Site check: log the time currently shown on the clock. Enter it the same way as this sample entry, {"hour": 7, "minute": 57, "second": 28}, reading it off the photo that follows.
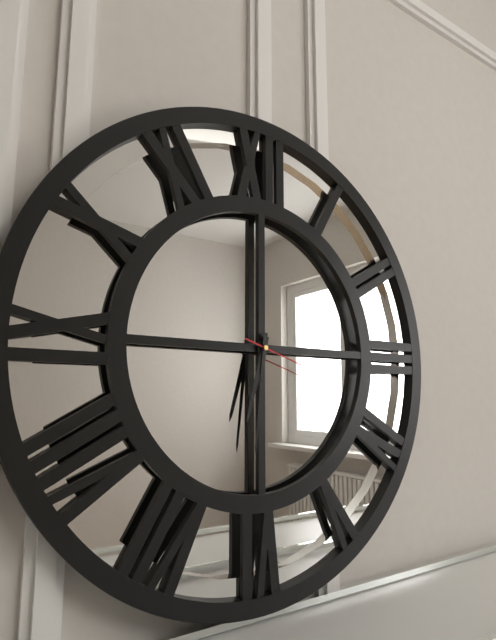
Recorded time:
{"hour": 6, "minute": 31, "second": 18}
